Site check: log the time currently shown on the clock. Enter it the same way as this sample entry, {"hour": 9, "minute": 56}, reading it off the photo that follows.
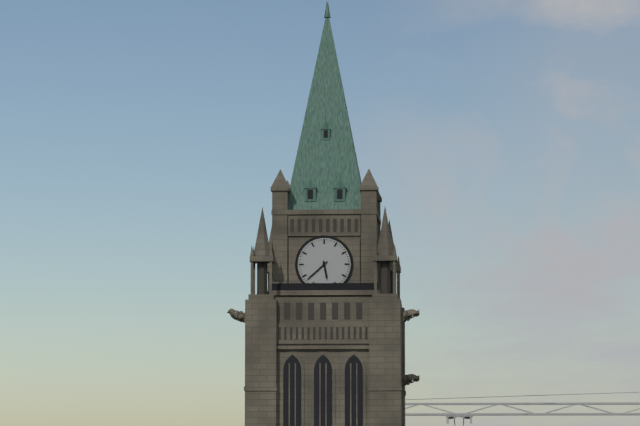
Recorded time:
{"hour": 5, "minute": 38}
